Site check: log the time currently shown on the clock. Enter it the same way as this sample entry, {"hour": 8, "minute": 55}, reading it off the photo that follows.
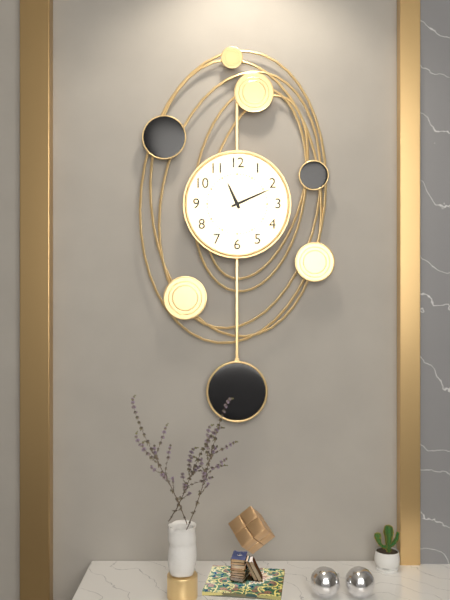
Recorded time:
{"hour": 11, "minute": 11}
